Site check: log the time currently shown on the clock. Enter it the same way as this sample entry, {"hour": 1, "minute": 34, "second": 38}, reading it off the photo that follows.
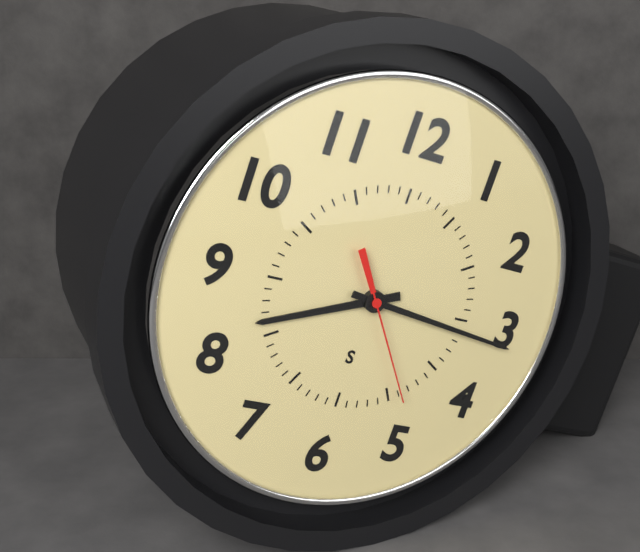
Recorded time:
{"hour": 8, "minute": 16, "second": 24}
